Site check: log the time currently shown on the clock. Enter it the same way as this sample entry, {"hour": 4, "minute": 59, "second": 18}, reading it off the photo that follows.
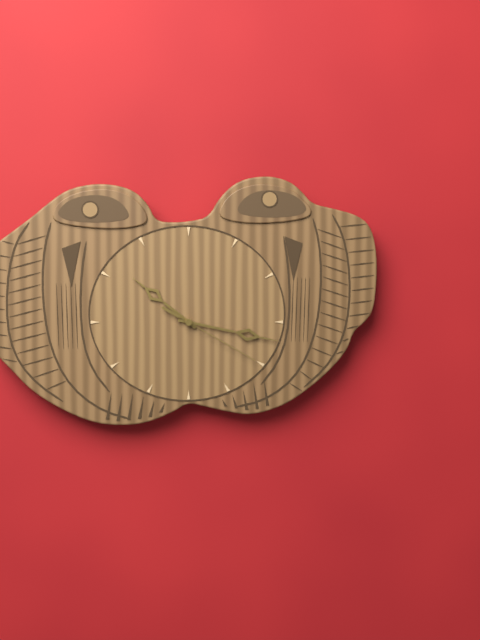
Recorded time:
{"hour": 10, "minute": 17, "second": 20}
